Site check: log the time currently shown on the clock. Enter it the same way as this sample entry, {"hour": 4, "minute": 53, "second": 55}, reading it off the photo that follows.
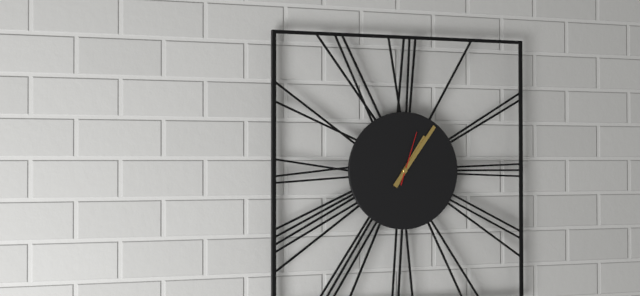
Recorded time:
{"hour": 1, "minute": 6, "second": 3}
